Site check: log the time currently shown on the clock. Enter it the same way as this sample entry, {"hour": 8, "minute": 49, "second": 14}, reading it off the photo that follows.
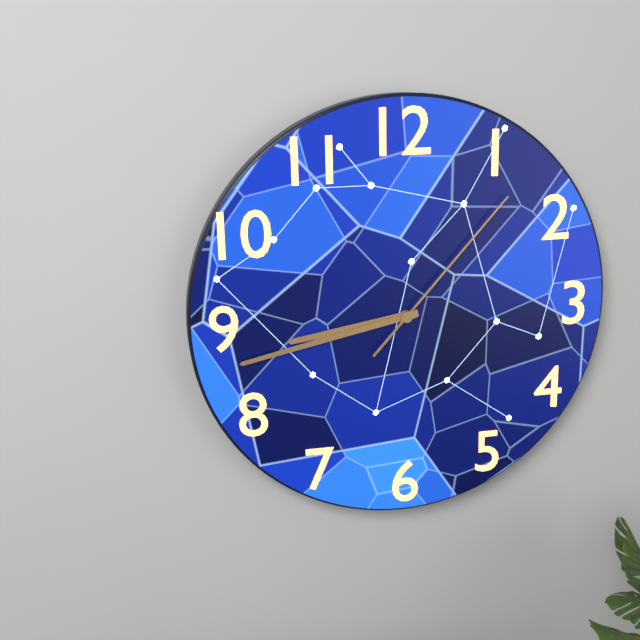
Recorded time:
{"hour": 8, "minute": 43, "second": 7}
